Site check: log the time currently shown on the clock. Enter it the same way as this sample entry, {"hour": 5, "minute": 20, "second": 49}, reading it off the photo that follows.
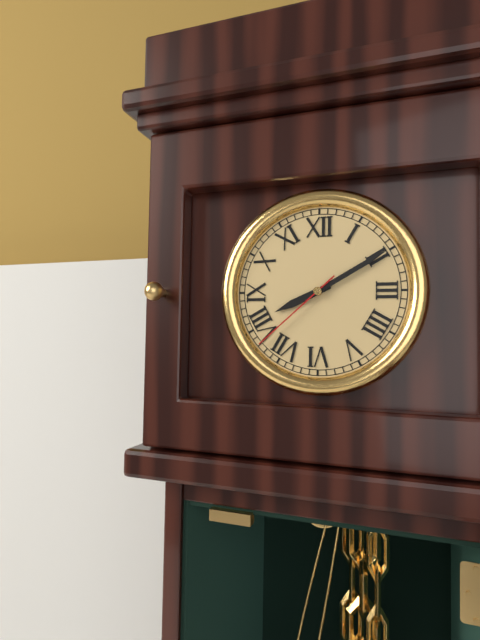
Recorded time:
{"hour": 8, "minute": 10, "second": 38}
